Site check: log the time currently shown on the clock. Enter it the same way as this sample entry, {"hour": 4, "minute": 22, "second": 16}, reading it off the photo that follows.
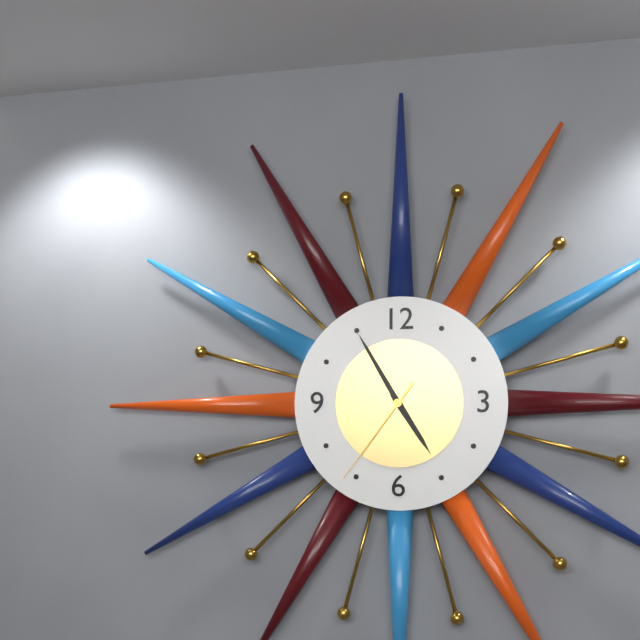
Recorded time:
{"hour": 4, "minute": 55, "second": 36}
